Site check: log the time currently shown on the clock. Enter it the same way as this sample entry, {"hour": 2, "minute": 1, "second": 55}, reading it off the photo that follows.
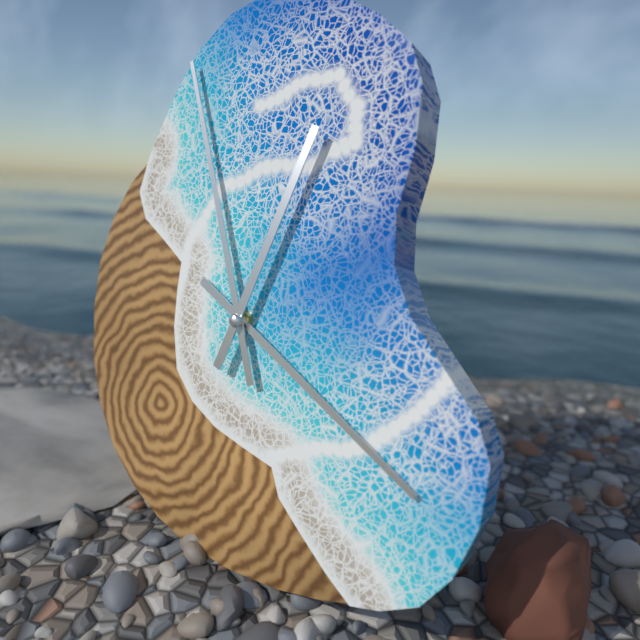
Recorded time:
{"hour": 3, "minute": 56, "second": 3}
